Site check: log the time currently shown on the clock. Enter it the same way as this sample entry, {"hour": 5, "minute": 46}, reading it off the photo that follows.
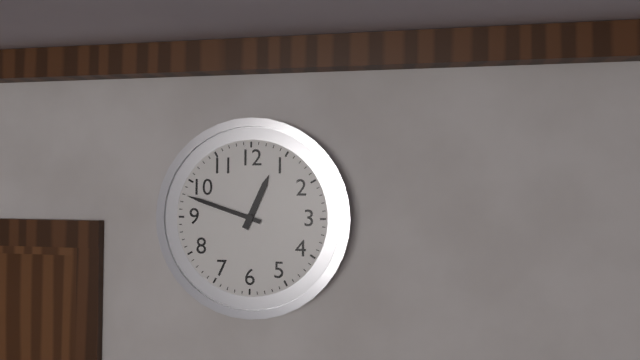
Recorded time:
{"hour": 12, "minute": 48}
